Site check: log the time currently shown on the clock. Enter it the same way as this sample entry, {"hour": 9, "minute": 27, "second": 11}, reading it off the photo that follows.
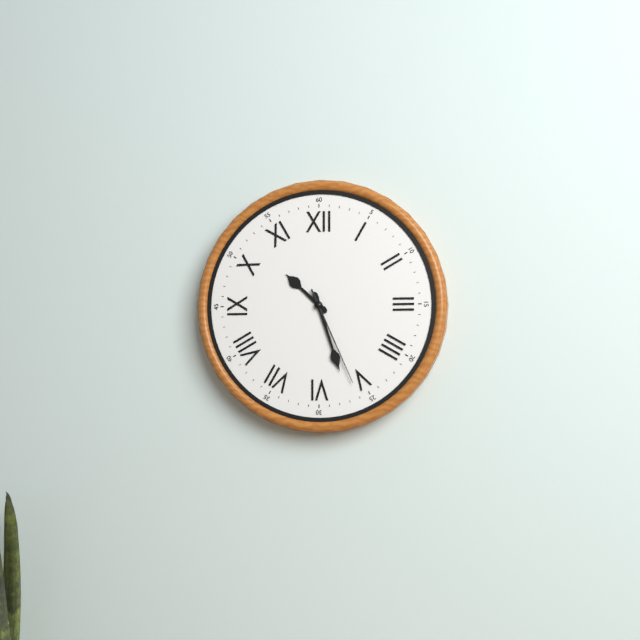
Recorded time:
{"hour": 10, "minute": 27, "second": 26}
